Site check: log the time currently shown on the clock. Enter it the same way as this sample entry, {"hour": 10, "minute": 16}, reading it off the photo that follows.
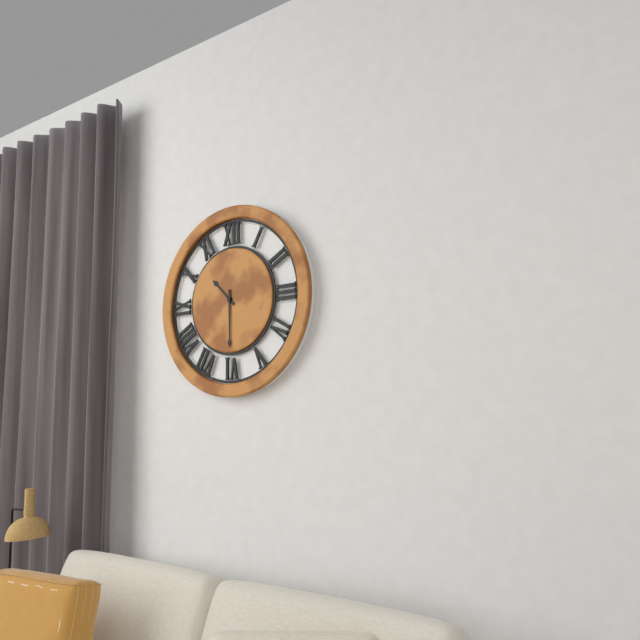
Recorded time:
{"hour": 10, "minute": 30}
